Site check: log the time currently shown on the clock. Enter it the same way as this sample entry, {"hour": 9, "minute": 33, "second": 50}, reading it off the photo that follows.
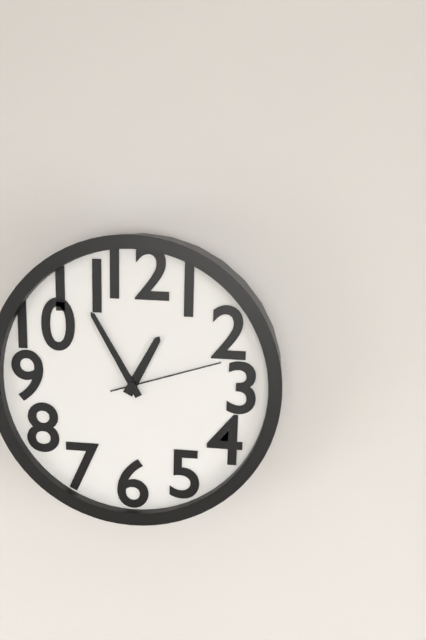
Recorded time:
{"hour": 12, "minute": 55, "second": 12}
